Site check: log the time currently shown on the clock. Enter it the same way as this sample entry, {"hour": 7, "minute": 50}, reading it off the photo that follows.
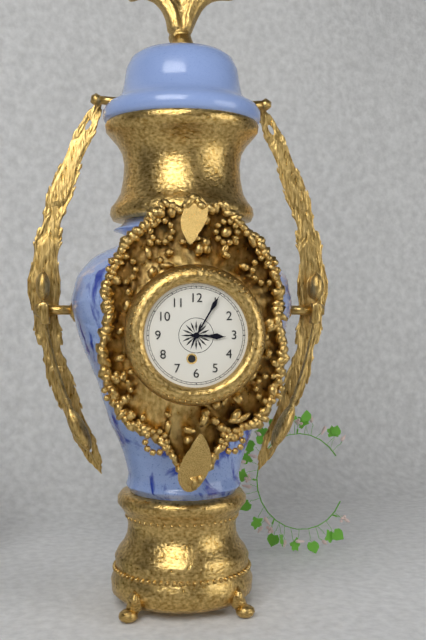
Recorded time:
{"hour": 3, "minute": 5}
